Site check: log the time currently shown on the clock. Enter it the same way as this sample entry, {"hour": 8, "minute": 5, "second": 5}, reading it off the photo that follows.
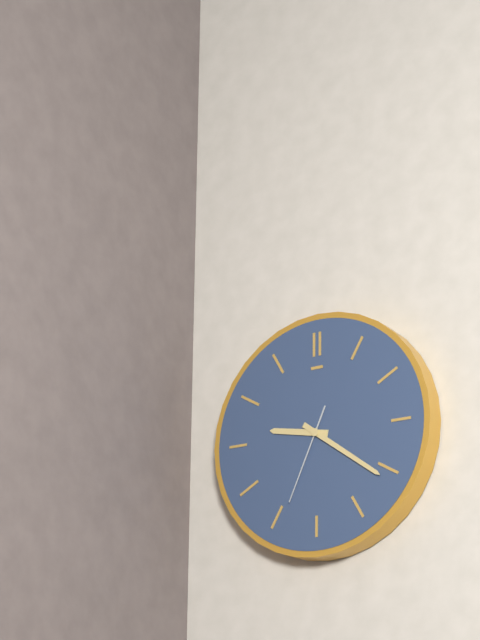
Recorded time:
{"hour": 9, "minute": 21, "second": 34}
